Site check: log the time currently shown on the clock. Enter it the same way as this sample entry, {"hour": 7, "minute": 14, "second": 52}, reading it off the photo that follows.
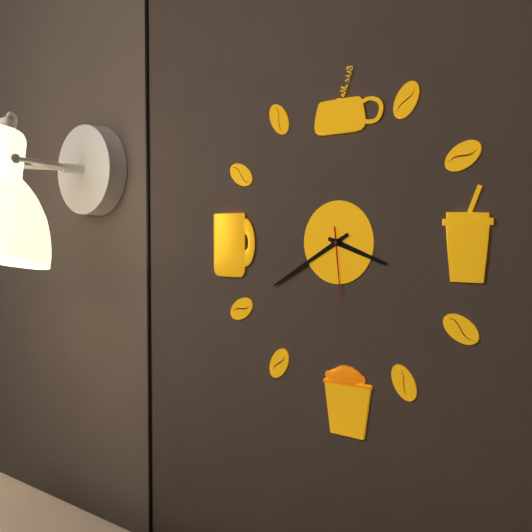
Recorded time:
{"hour": 3, "minute": 40, "second": 29}
